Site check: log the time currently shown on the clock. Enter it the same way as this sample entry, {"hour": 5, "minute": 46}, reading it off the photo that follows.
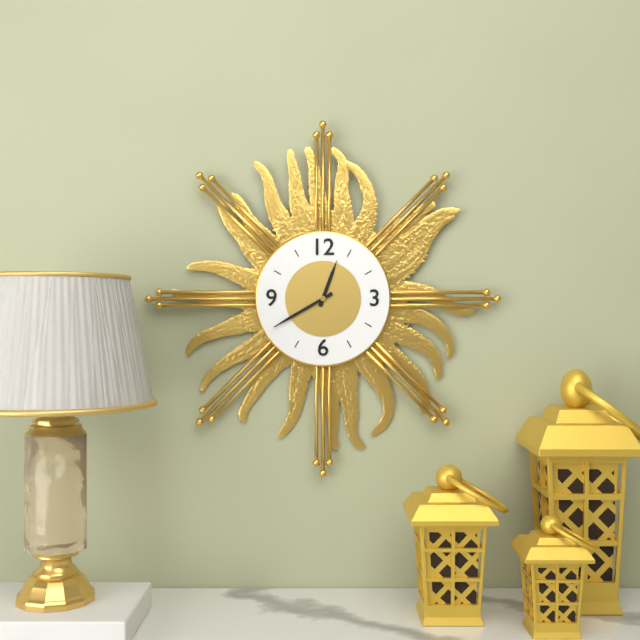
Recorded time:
{"hour": 12, "minute": 40}
